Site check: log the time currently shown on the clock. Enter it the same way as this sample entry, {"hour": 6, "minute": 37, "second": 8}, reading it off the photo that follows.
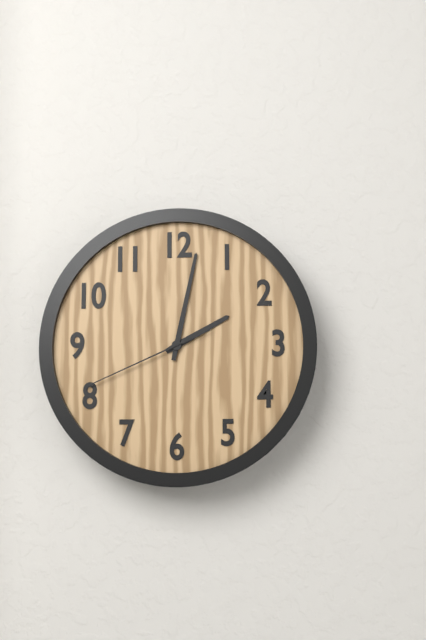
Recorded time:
{"hour": 2, "minute": 2, "second": 41}
